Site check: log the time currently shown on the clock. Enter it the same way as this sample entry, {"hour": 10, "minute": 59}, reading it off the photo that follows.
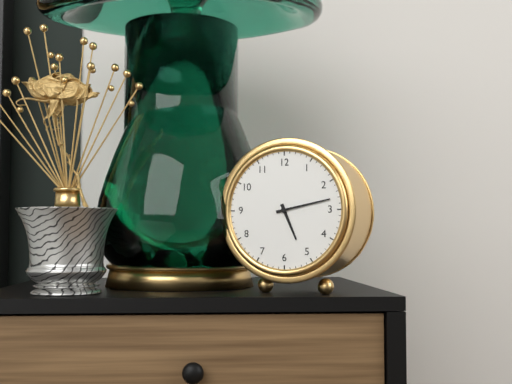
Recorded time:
{"hour": 5, "minute": 13}
